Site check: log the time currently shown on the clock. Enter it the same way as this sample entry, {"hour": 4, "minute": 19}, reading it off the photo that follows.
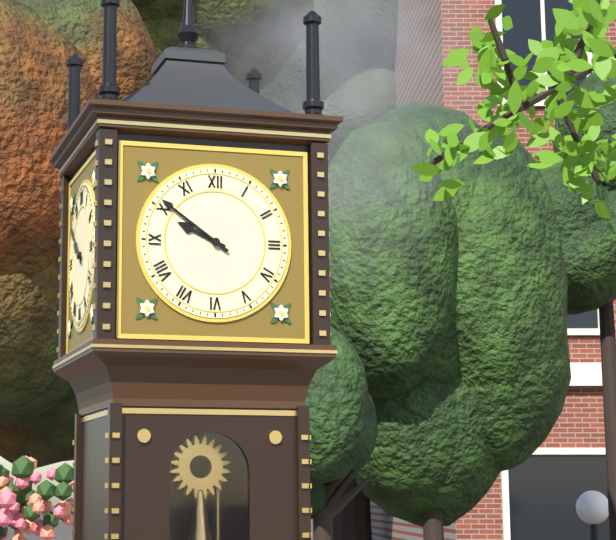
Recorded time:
{"hour": 9, "minute": 51}
